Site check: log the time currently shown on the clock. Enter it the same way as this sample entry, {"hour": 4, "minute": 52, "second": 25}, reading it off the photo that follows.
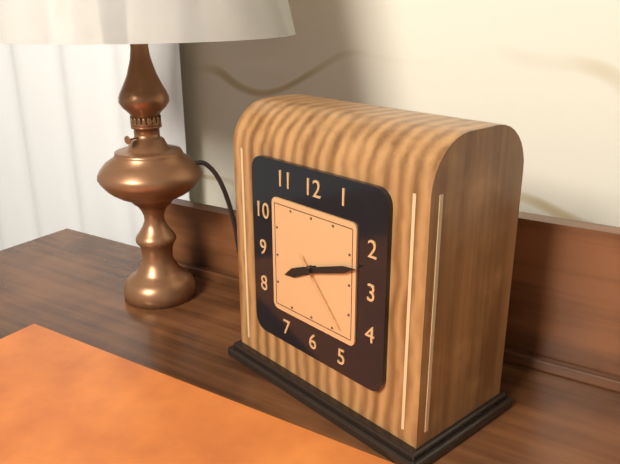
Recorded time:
{"hour": 8, "minute": 12, "second": 23}
